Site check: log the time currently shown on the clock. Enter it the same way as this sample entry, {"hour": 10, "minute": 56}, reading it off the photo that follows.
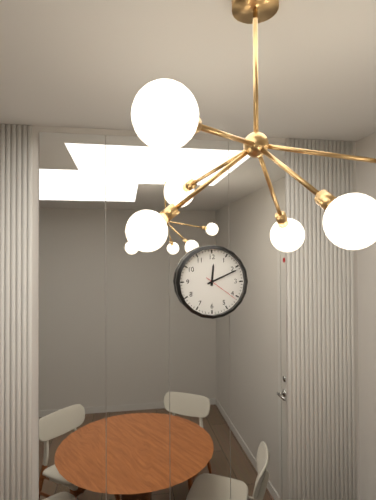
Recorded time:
{"hour": 12, "minute": 11}
